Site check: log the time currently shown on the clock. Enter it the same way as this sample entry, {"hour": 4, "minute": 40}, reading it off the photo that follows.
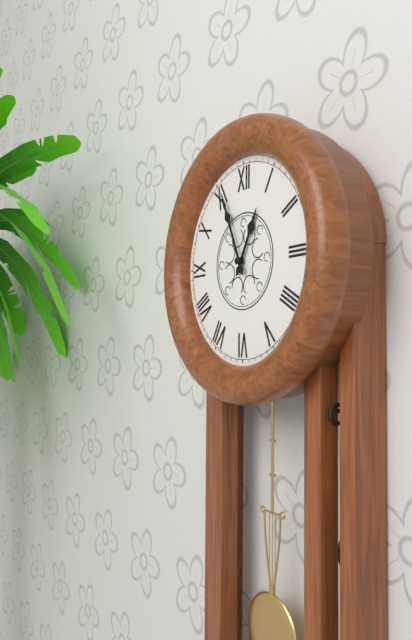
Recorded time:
{"hour": 12, "minute": 56}
